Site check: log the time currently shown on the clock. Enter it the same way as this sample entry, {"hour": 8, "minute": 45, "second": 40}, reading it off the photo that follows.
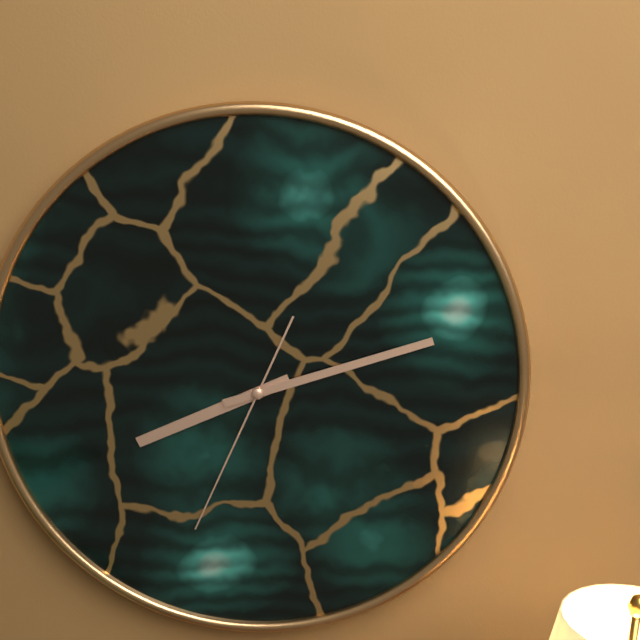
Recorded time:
{"hour": 8, "minute": 12, "second": 34}
